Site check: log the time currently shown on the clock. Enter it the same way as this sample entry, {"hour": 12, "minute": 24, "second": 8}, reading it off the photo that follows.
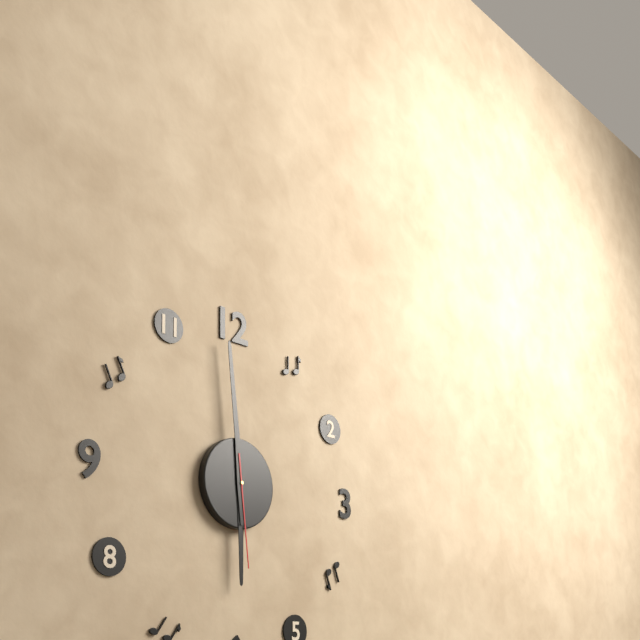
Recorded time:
{"hour": 5, "minute": 59, "second": 29}
